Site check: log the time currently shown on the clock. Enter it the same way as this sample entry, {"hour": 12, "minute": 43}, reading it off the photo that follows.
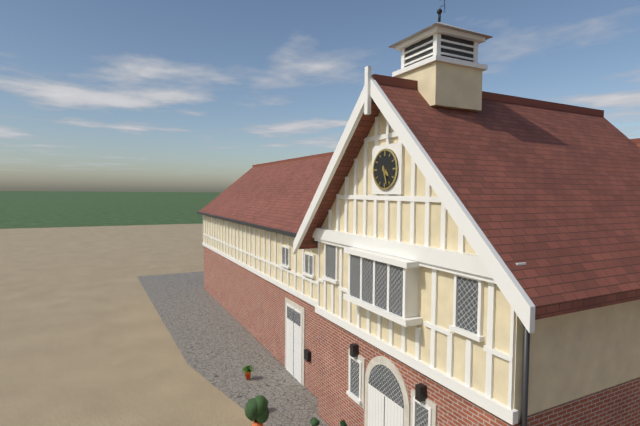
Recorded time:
{"hour": 4, "minute": 27}
